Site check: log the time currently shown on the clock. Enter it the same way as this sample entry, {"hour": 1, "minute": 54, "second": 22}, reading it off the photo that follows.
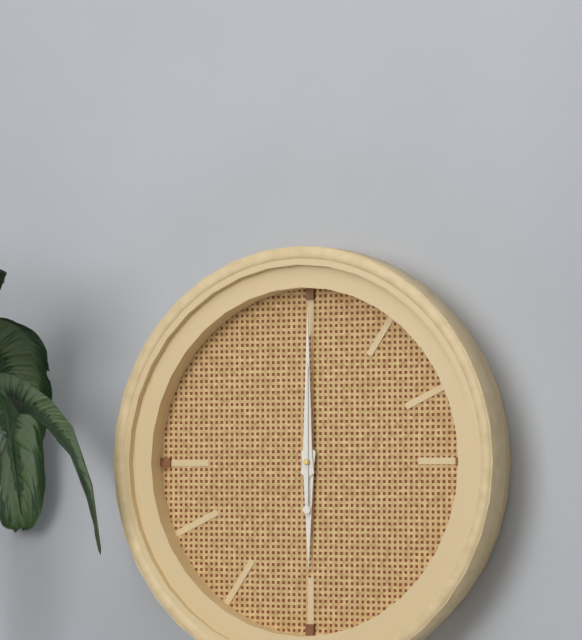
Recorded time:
{"hour": 6, "minute": 0, "second": 0}
